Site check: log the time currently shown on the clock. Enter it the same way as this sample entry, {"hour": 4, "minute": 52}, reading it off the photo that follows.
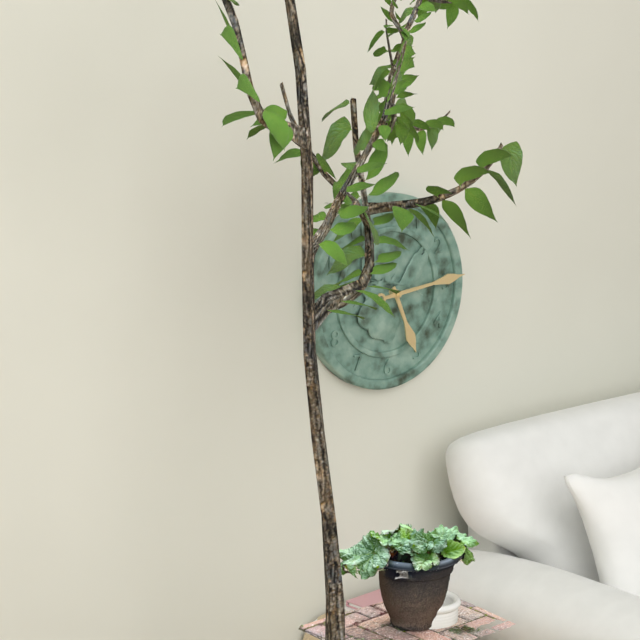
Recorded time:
{"hour": 5, "minute": 14}
